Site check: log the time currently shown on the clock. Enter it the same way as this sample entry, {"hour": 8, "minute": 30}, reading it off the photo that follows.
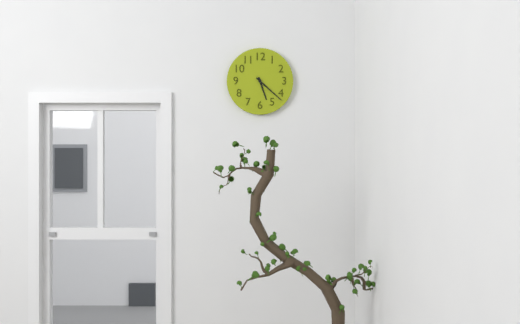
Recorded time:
{"hour": 5, "minute": 22}
